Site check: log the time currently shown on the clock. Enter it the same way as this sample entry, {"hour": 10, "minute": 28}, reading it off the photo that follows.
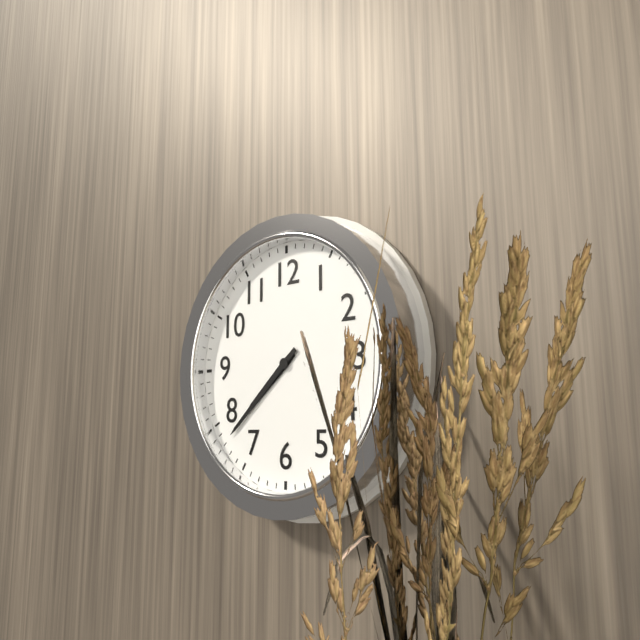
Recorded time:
{"hour": 7, "minute": 38}
